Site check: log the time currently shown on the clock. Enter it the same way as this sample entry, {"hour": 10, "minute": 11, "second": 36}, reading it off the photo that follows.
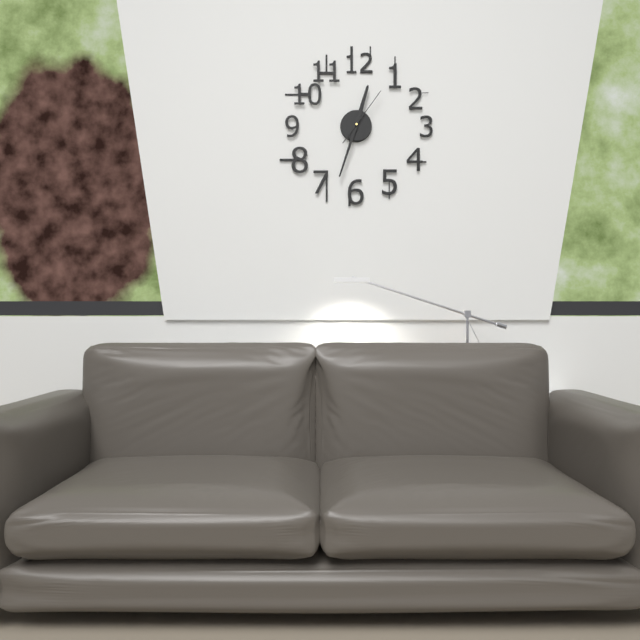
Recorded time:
{"hour": 12, "minute": 33, "second": 6}
